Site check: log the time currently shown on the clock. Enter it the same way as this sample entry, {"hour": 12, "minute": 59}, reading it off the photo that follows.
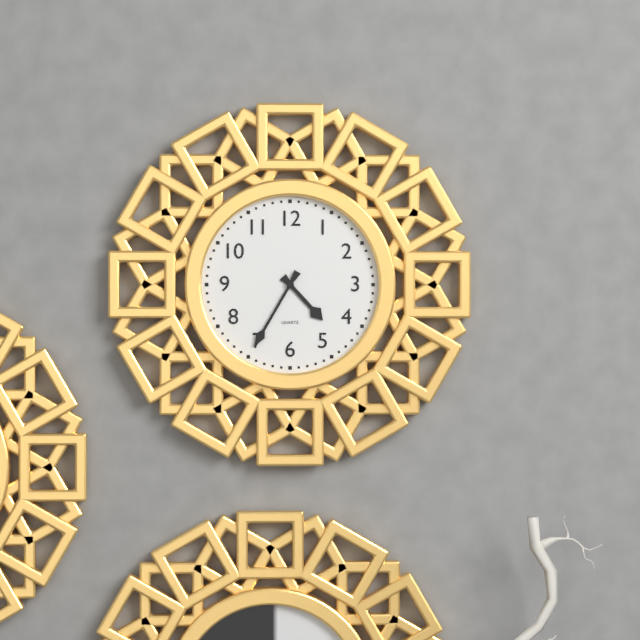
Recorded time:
{"hour": 4, "minute": 35}
